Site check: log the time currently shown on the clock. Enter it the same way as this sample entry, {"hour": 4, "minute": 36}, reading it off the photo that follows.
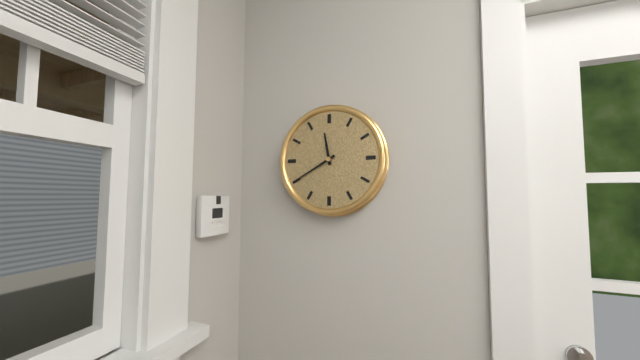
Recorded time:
{"hour": 11, "minute": 40}
